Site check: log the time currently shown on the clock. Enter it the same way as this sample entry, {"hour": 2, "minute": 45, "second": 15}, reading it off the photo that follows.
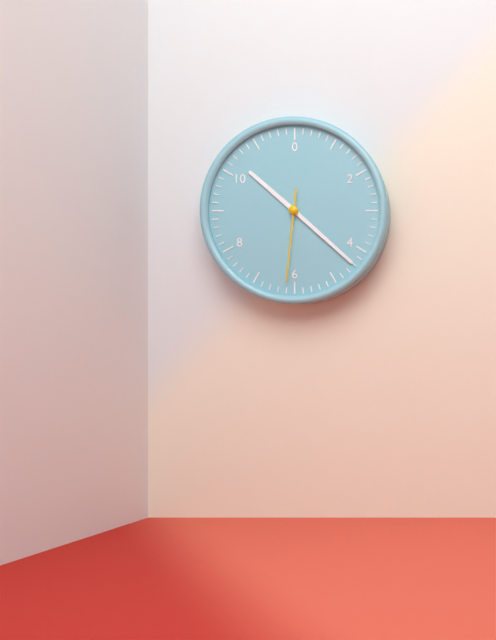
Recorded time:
{"hour": 10, "minute": 22, "second": 31}
